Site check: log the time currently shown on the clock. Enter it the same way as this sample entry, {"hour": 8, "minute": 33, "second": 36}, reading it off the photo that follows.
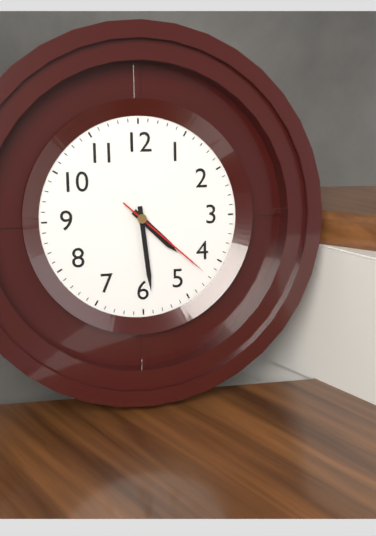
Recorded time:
{"hour": 4, "minute": 29, "second": 22}
